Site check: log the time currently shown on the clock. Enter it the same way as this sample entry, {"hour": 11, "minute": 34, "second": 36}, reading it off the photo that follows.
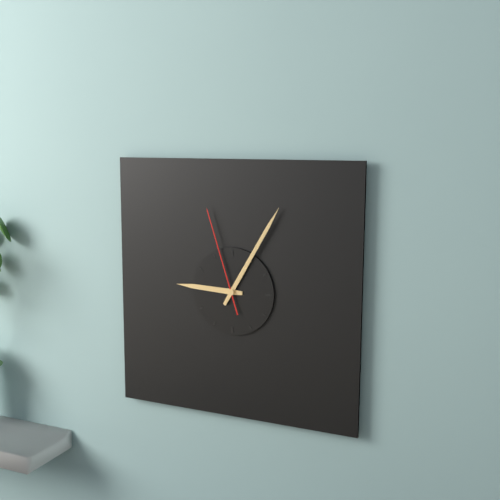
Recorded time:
{"hour": 9, "minute": 5, "second": 57}
